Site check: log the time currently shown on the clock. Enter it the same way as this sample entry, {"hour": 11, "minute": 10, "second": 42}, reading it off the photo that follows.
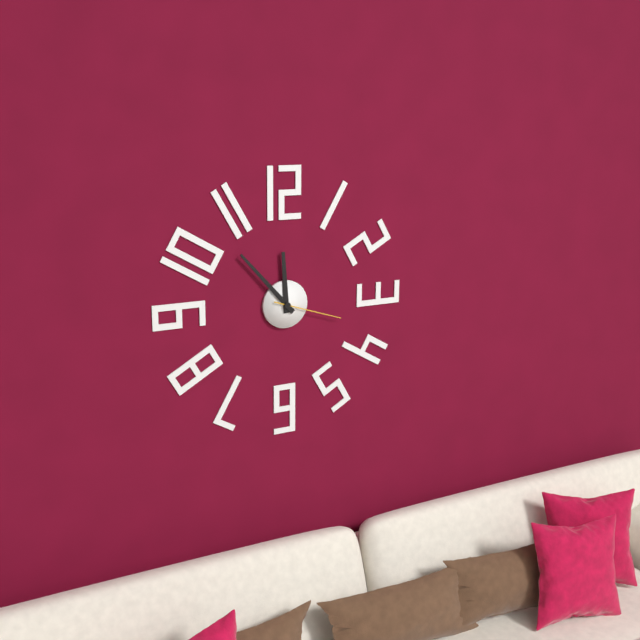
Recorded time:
{"hour": 11, "minute": 53, "second": 18}
